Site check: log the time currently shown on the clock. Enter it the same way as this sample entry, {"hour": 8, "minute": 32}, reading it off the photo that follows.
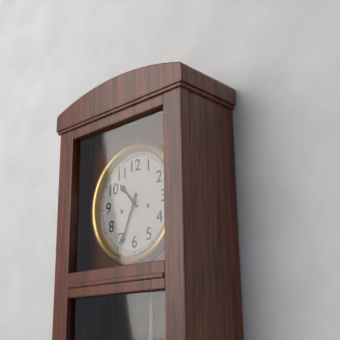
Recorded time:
{"hour": 10, "minute": 34}
